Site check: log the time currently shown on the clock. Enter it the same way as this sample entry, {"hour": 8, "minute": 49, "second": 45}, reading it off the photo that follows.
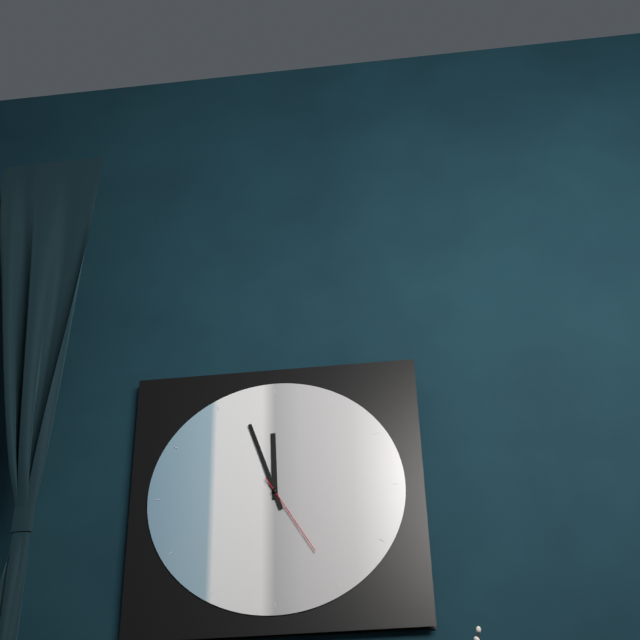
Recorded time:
{"hour": 11, "minute": 57, "second": 25}
